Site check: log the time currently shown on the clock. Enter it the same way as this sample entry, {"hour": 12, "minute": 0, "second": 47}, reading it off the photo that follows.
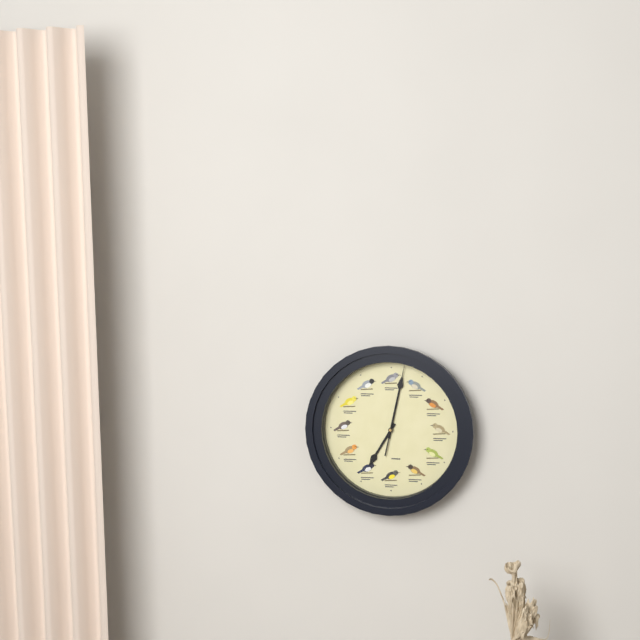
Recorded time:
{"hour": 7, "minute": 2, "second": 2}
